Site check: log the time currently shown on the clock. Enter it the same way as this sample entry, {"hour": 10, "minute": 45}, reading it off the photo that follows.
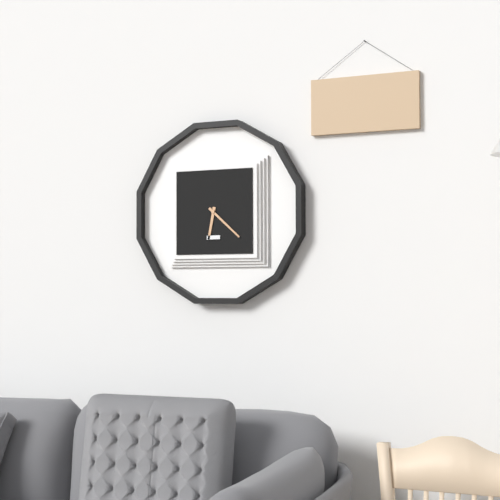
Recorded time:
{"hour": 6, "minute": 22}
